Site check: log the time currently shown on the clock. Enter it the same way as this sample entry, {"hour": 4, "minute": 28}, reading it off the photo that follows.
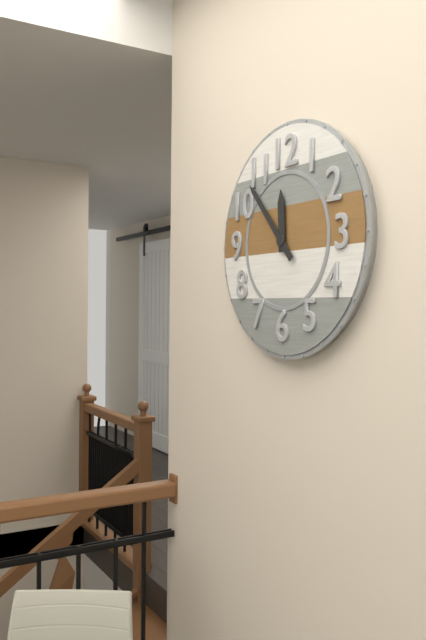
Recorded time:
{"hour": 11, "minute": 53}
